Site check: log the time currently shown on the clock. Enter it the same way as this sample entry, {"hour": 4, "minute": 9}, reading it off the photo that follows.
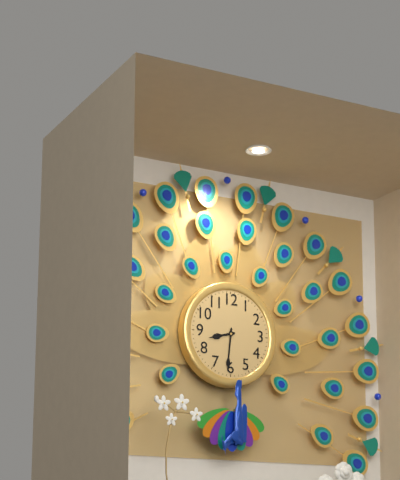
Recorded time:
{"hour": 8, "minute": 31}
